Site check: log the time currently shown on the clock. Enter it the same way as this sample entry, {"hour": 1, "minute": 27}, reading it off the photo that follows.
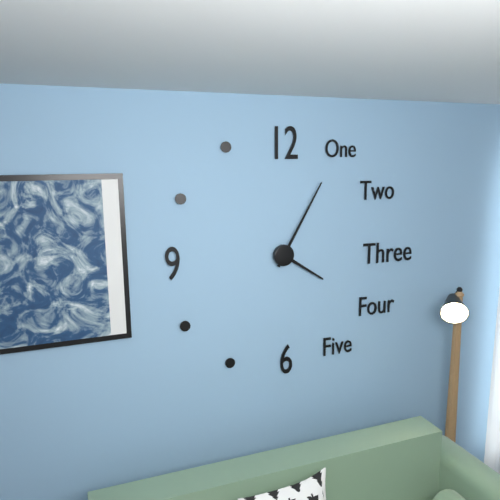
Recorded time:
{"hour": 4, "minute": 5}
